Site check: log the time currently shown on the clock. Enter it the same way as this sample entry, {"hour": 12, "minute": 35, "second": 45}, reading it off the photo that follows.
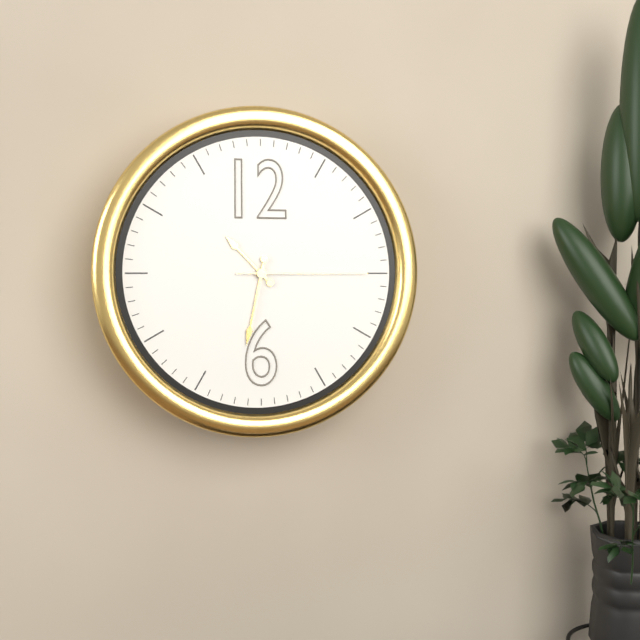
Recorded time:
{"hour": 10, "minute": 32, "second": 15}
